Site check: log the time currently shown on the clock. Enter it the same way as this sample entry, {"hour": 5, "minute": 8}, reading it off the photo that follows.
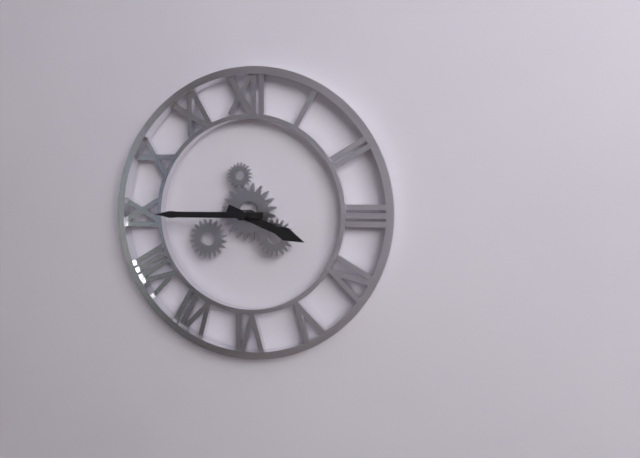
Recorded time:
{"hour": 3, "minute": 45}
